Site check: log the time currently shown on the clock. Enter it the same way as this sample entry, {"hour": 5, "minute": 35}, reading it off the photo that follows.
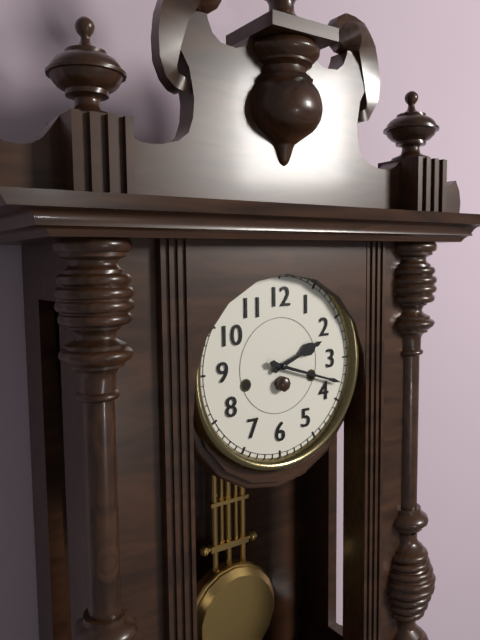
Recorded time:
{"hour": 2, "minute": 18}
